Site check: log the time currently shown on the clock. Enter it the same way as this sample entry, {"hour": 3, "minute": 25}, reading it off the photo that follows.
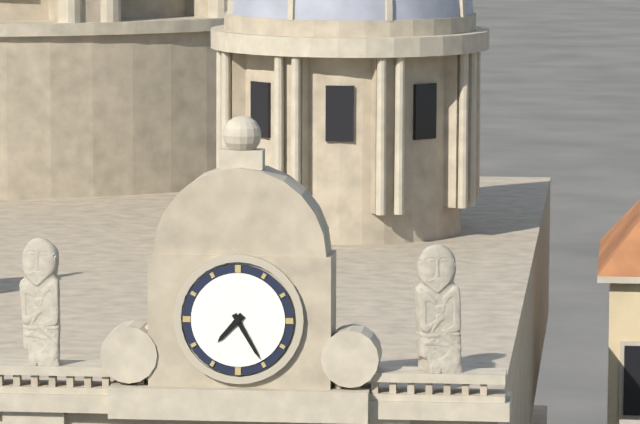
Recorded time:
{"hour": 7, "minute": 25}
